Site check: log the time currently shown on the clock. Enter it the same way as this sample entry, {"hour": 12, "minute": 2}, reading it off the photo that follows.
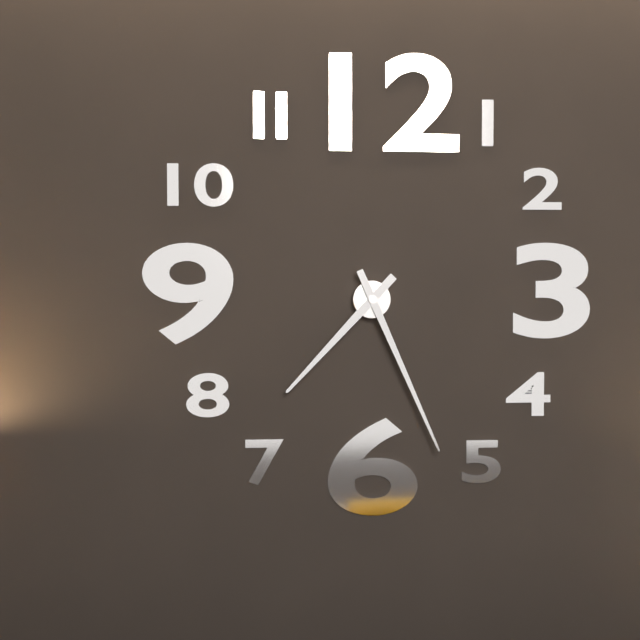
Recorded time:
{"hour": 7, "minute": 26}
